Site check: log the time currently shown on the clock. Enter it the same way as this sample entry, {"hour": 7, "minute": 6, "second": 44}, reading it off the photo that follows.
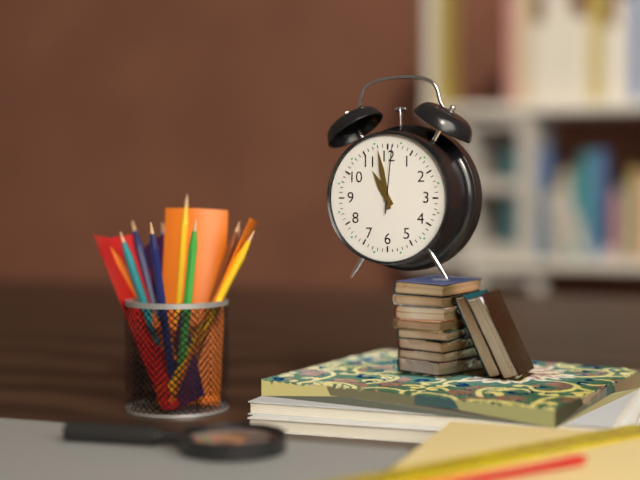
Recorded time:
{"hour": 10, "minute": 58, "second": 1}
